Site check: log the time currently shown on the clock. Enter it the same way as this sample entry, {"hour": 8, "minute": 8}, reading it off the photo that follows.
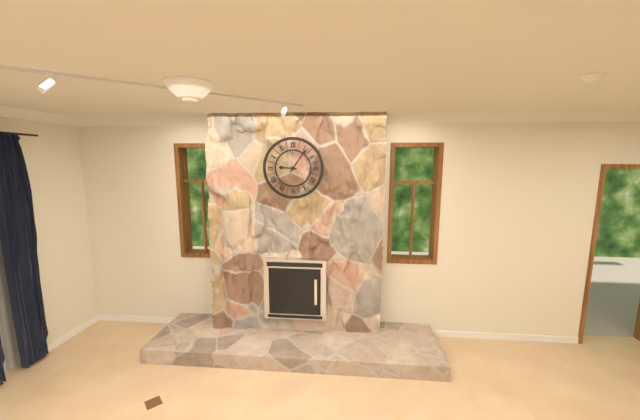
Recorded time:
{"hour": 9, "minute": 6}
